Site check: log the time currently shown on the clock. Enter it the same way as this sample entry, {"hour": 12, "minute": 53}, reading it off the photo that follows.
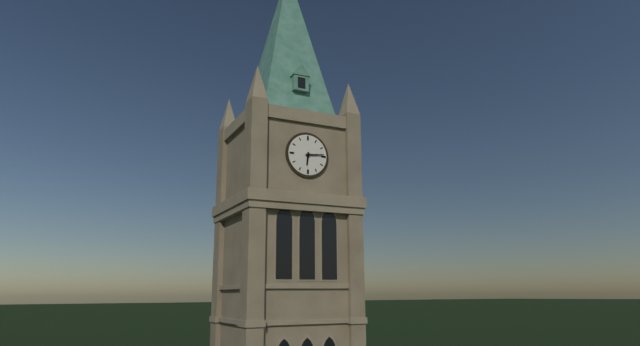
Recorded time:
{"hour": 6, "minute": 14}
